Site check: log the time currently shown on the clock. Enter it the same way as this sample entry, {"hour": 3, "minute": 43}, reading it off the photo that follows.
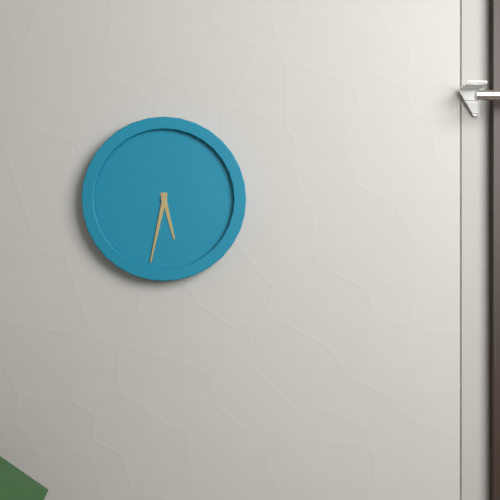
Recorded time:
{"hour": 5, "minute": 32}
